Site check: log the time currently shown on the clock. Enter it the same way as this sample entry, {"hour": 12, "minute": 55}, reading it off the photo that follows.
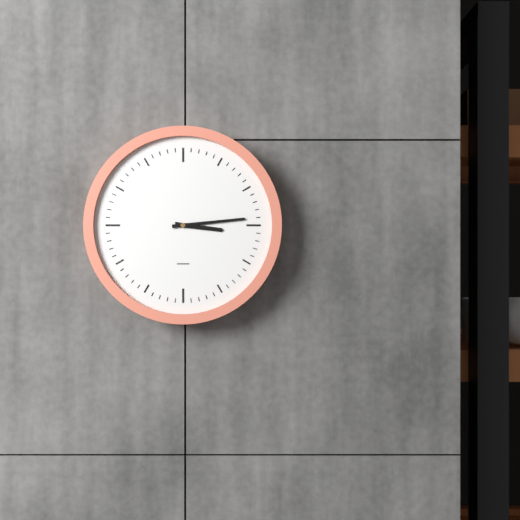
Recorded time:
{"hour": 3, "minute": 14}
